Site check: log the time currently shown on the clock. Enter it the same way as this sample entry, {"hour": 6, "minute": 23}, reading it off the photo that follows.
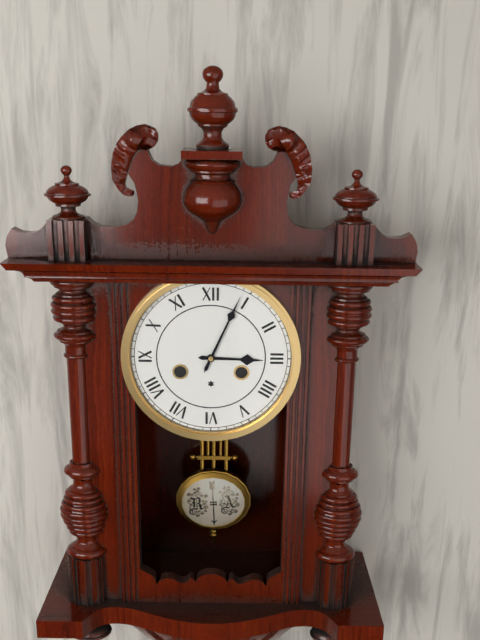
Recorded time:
{"hour": 3, "minute": 4}
